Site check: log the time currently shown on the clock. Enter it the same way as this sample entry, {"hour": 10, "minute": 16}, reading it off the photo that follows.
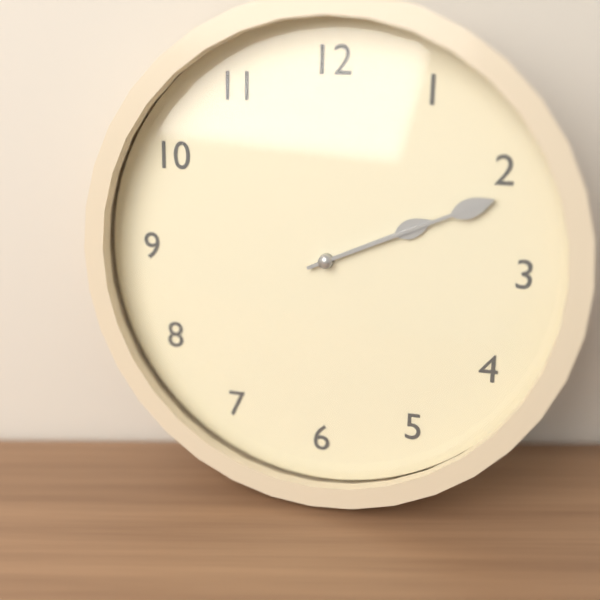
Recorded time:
{"hour": 2, "minute": 11}
